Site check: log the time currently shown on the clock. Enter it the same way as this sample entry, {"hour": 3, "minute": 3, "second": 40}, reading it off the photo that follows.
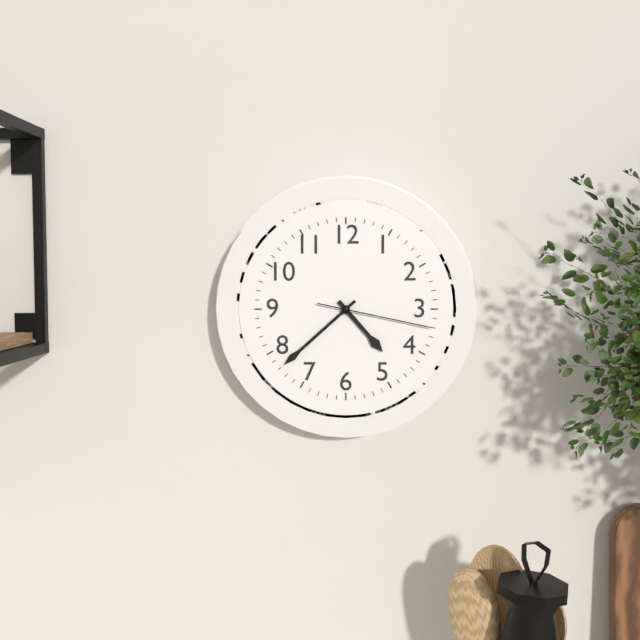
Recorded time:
{"hour": 4, "minute": 38, "second": 17}
